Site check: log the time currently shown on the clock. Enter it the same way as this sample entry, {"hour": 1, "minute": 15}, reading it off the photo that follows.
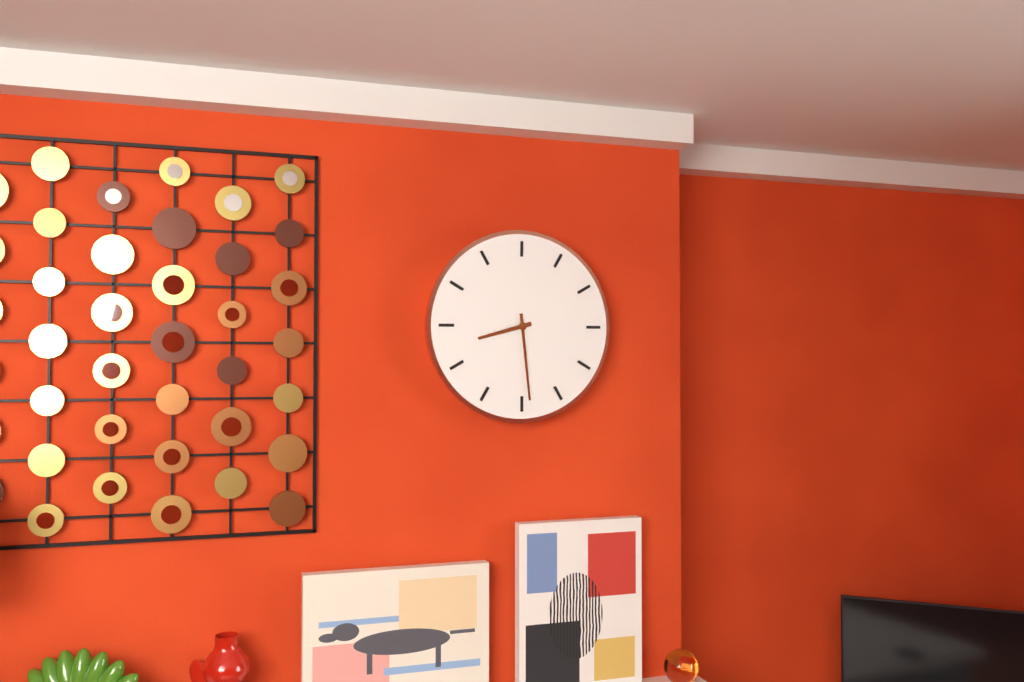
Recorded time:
{"hour": 8, "minute": 29}
